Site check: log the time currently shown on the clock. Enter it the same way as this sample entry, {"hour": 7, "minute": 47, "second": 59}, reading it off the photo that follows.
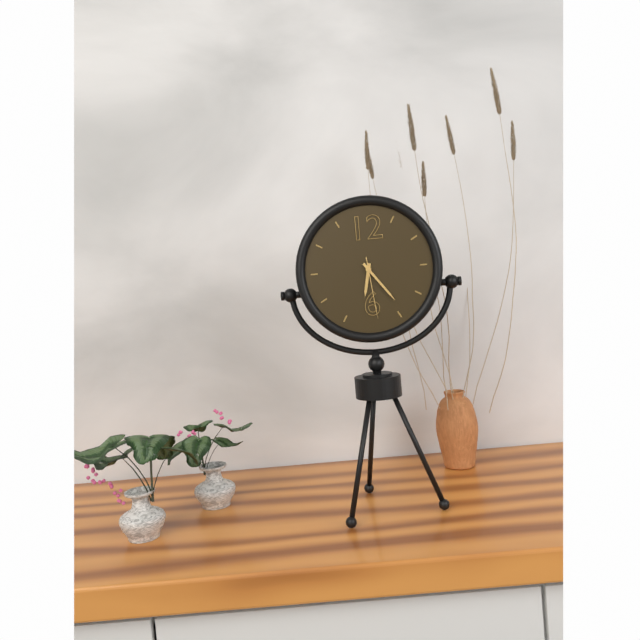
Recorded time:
{"hour": 6, "minute": 24, "second": 29}
